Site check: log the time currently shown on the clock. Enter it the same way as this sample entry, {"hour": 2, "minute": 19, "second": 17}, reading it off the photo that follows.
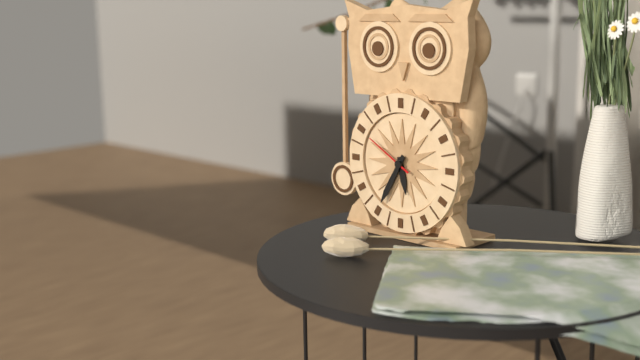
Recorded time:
{"hour": 5, "minute": 35, "second": 50}
